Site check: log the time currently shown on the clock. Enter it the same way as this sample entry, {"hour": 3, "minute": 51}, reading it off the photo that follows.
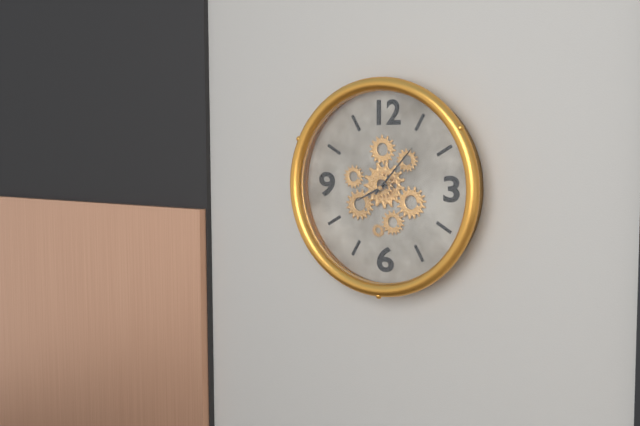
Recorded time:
{"hour": 8, "minute": 7}
